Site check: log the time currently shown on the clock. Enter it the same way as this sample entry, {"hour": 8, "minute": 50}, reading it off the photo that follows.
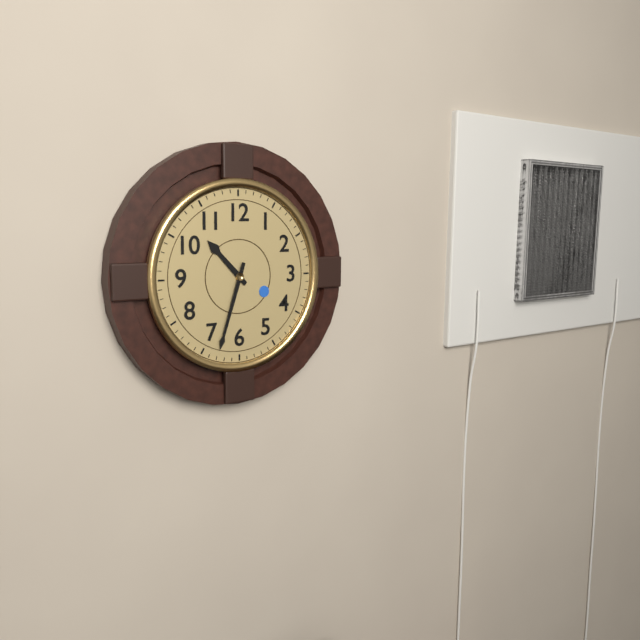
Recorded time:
{"hour": 10, "minute": 33}
